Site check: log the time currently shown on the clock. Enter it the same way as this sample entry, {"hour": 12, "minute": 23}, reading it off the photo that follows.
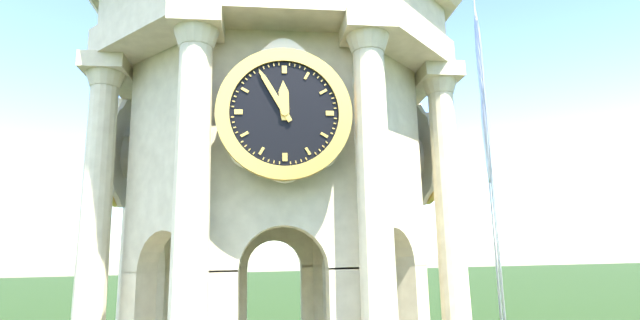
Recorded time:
{"hour": 11, "minute": 55}
